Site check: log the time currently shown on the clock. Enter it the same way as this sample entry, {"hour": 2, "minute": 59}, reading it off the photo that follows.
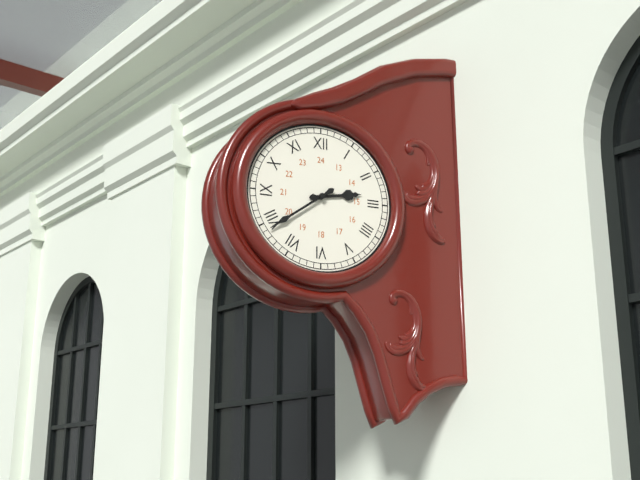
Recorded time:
{"hour": 2, "minute": 39}
